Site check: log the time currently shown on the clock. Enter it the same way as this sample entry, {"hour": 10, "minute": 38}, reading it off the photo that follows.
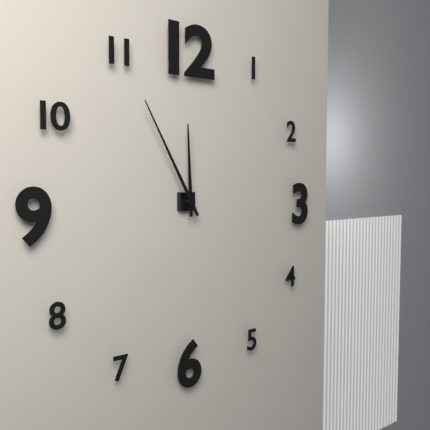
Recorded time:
{"hour": 11, "minute": 55}
